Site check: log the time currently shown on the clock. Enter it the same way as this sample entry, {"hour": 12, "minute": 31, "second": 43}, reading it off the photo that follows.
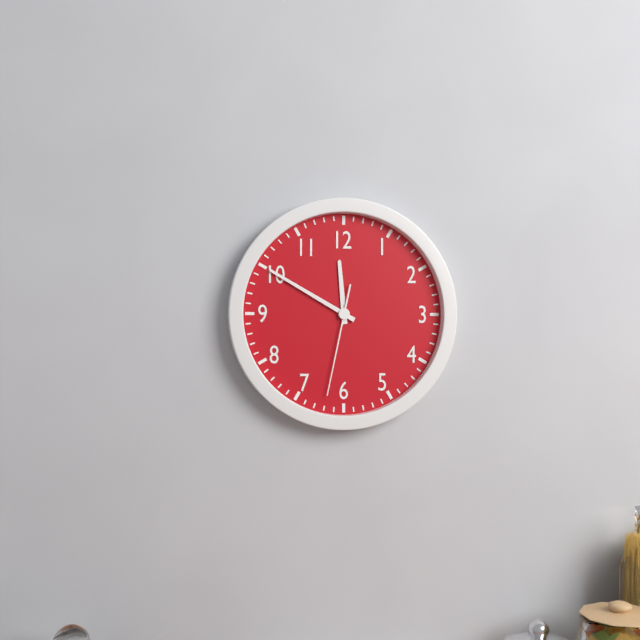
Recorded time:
{"hour": 11, "minute": 50, "second": 32}
